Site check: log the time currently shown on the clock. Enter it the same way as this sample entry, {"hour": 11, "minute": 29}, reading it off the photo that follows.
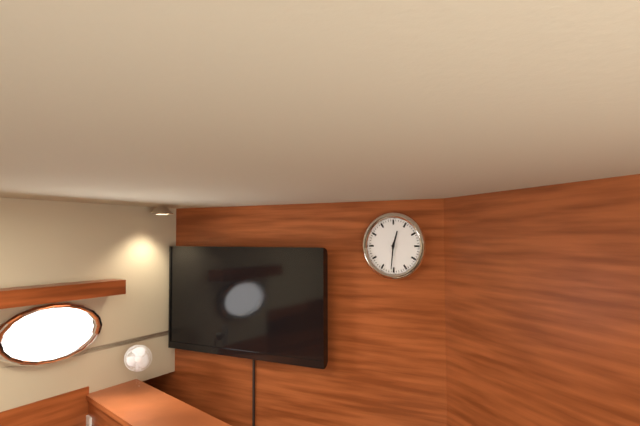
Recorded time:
{"hour": 12, "minute": 31}
